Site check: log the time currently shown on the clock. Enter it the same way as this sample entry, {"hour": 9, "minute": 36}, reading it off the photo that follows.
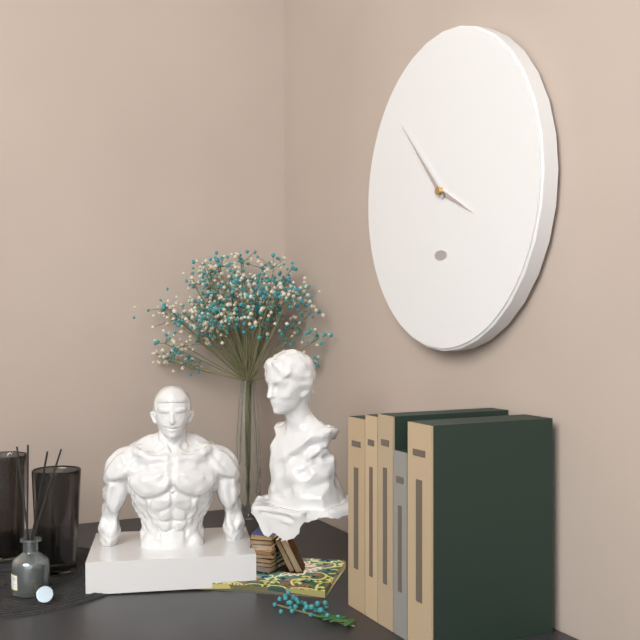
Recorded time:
{"hour": 3, "minute": 53}
